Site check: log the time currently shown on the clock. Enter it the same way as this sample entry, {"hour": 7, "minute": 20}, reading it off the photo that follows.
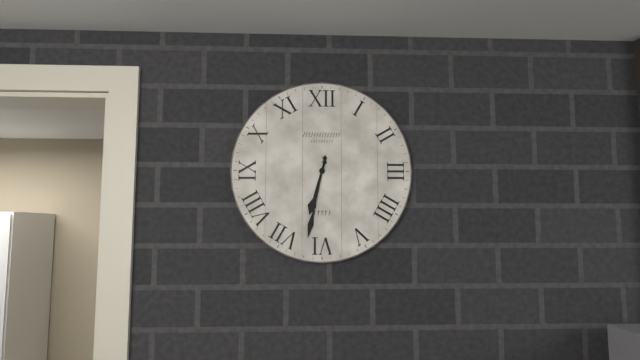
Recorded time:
{"hour": 6, "minute": 32}
